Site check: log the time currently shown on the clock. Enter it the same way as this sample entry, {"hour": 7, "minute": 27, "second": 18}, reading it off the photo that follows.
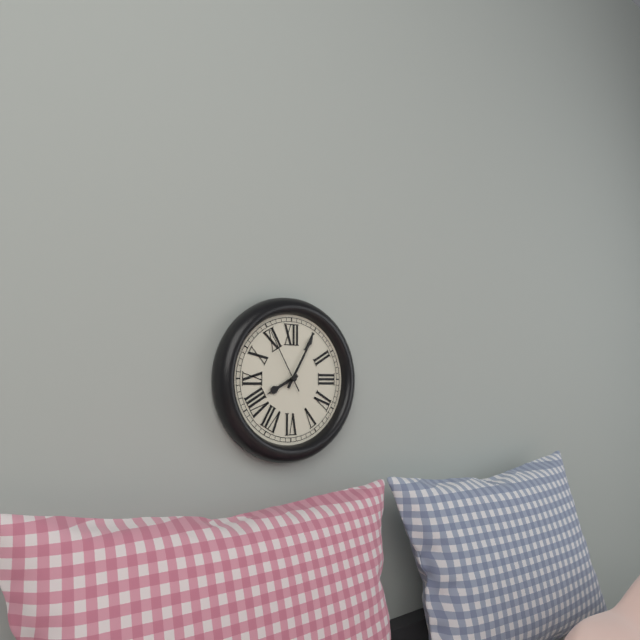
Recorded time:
{"hour": 8, "minute": 5, "second": 55}
